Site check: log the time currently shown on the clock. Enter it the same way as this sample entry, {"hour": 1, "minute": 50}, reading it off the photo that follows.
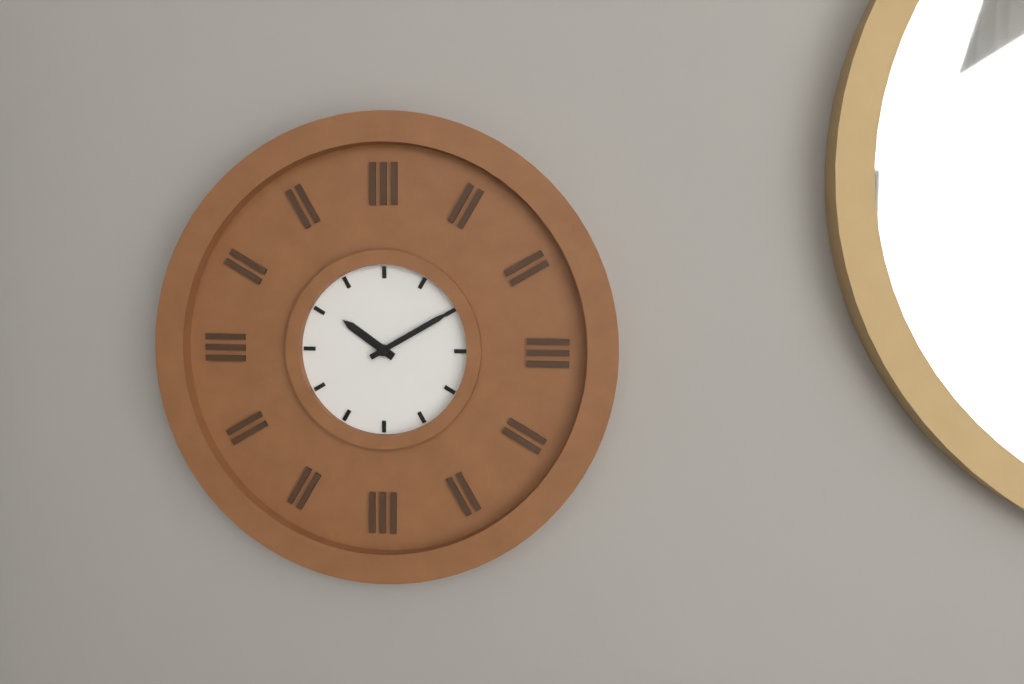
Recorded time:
{"hour": 10, "minute": 10}
